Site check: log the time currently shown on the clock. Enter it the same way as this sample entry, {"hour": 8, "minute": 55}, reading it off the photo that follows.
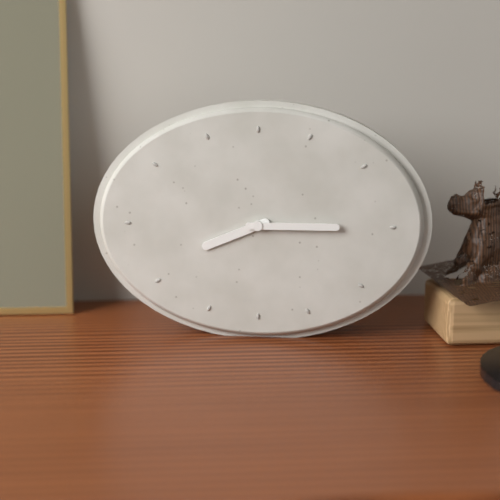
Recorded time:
{"hour": 8, "minute": 15}
